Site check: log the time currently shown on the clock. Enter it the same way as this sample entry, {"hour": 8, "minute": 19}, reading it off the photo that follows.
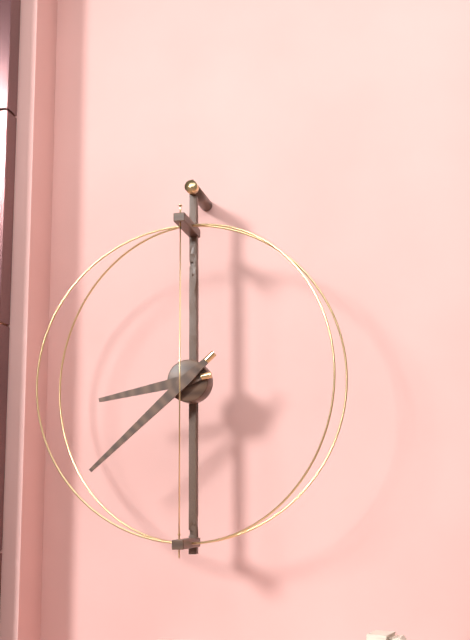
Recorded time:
{"hour": 8, "minute": 38}
